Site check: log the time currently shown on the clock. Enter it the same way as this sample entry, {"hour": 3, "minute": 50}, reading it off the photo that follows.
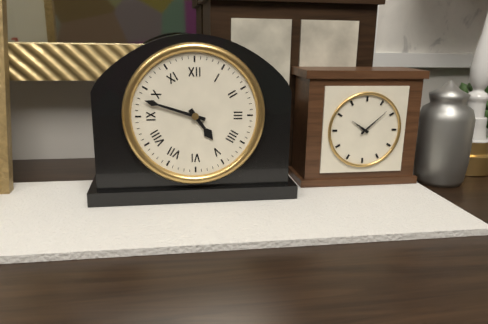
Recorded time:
{"hour": 4, "minute": 48}
